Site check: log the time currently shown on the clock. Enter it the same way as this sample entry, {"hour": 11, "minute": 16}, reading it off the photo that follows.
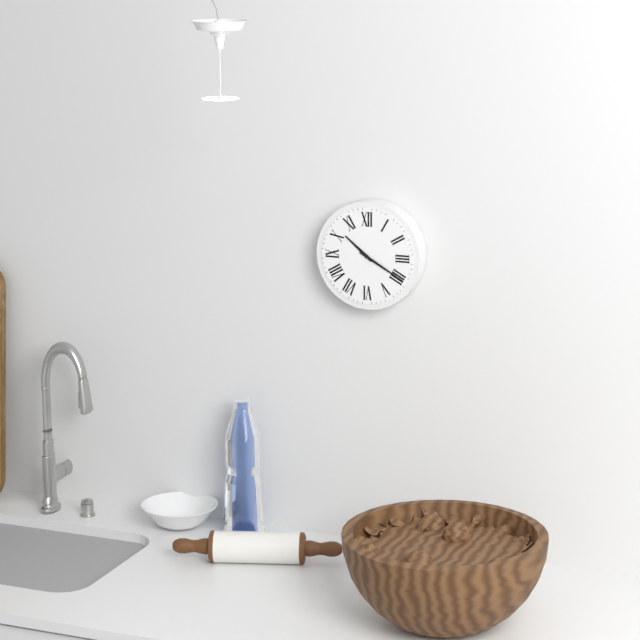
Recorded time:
{"hour": 10, "minute": 20}
